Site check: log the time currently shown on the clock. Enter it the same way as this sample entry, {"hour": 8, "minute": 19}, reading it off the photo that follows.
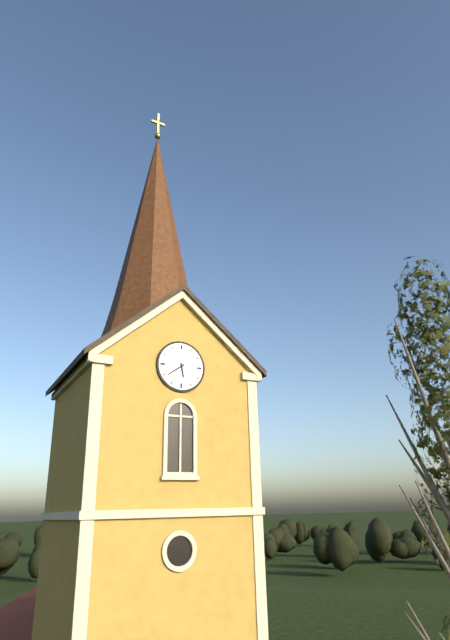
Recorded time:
{"hour": 5, "minute": 39}
